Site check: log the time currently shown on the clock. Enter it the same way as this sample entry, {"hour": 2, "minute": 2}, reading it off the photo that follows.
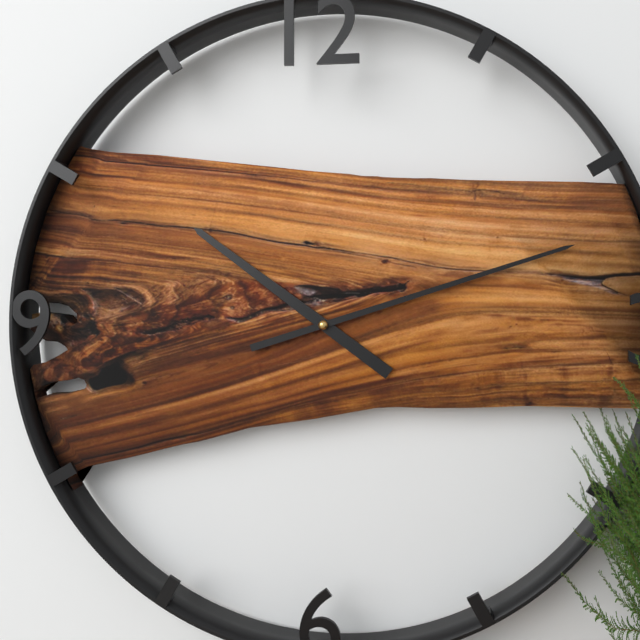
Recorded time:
{"hour": 10, "minute": 12}
